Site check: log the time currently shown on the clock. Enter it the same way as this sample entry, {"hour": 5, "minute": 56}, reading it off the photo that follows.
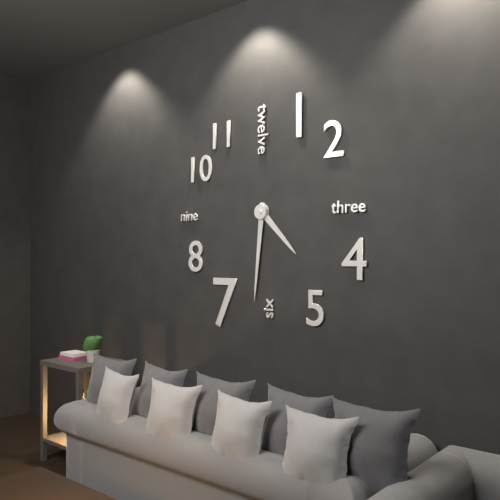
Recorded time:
{"hour": 4, "minute": 31}
